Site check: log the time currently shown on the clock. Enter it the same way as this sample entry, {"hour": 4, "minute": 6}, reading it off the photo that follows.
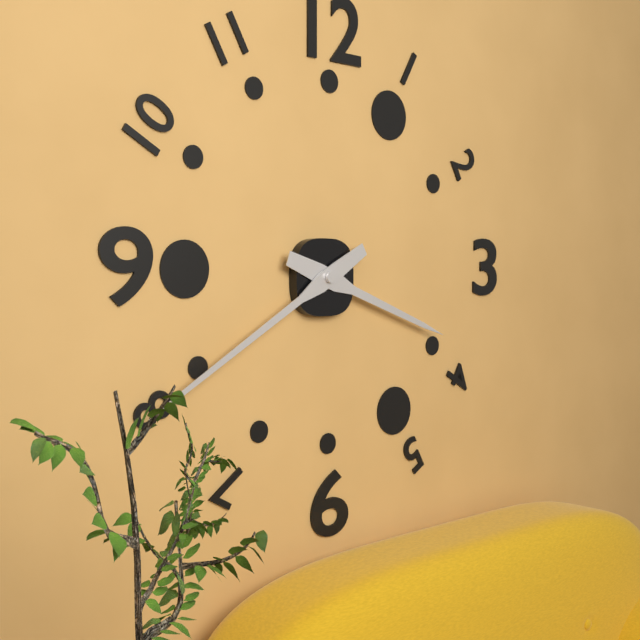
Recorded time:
{"hour": 3, "minute": 40}
